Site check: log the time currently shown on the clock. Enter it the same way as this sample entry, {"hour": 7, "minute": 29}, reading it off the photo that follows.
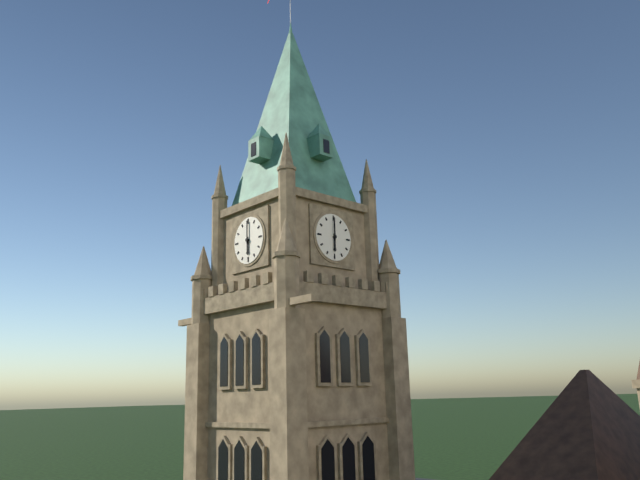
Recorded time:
{"hour": 6, "minute": 0}
